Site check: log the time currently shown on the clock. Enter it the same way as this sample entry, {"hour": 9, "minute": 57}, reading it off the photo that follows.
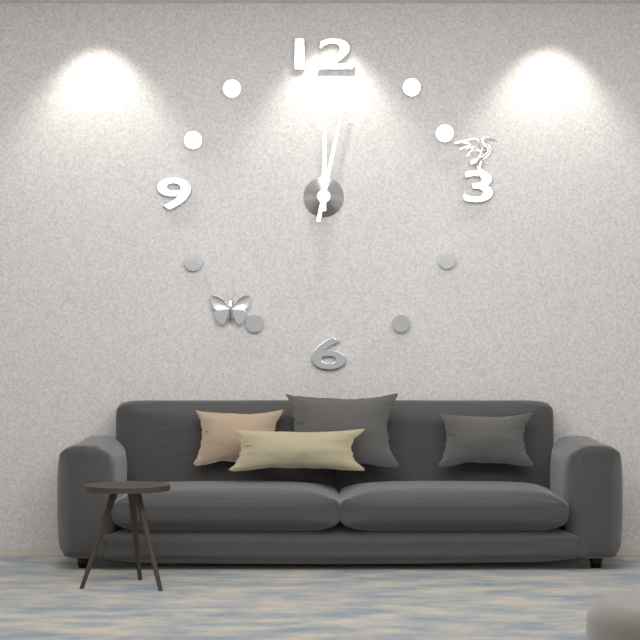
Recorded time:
{"hour": 12, "minute": 2}
